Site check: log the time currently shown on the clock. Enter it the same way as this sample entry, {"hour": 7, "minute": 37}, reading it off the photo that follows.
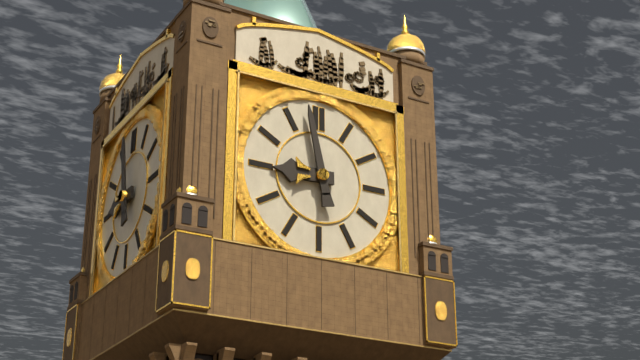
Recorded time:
{"hour": 8, "minute": 58}
